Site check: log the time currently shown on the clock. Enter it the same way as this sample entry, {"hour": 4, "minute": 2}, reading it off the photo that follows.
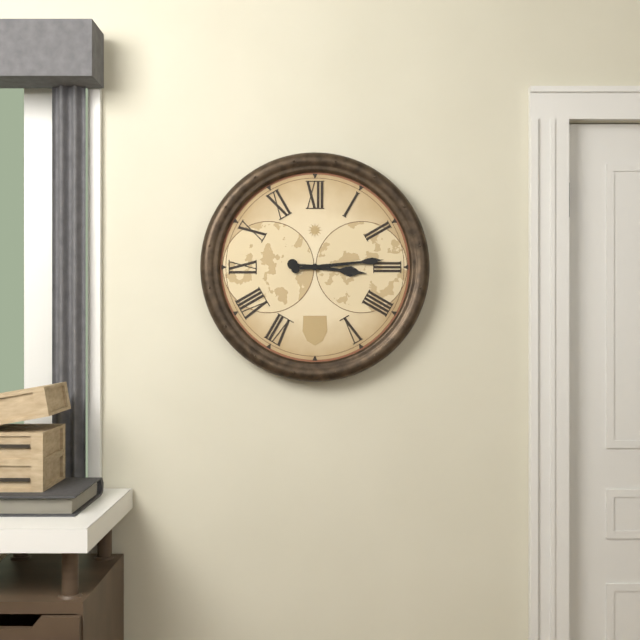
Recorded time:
{"hour": 3, "minute": 14}
